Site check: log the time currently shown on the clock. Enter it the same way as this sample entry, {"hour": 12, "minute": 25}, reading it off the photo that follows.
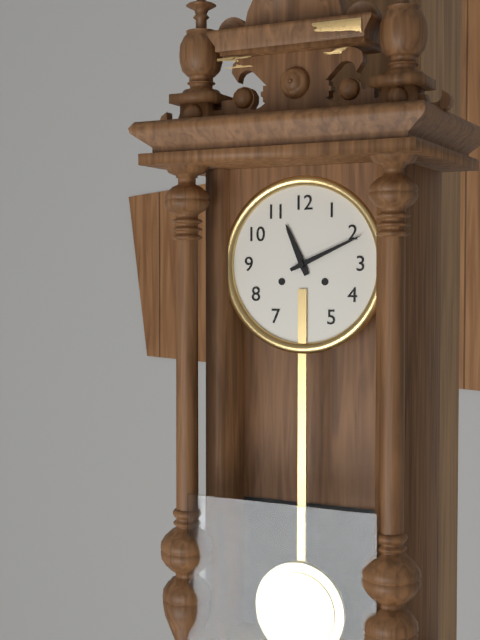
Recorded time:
{"hour": 11, "minute": 11}
